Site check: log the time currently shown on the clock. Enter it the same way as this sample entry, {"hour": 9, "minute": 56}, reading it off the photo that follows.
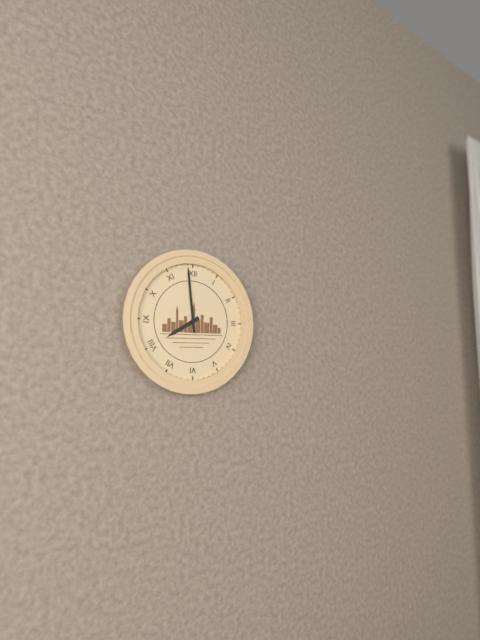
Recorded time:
{"hour": 7, "minute": 59}
